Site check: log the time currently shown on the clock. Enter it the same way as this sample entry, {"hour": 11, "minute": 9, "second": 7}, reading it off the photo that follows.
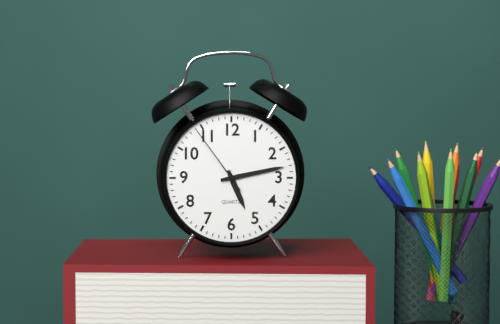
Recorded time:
{"hour": 5, "minute": 13, "second": 54}
